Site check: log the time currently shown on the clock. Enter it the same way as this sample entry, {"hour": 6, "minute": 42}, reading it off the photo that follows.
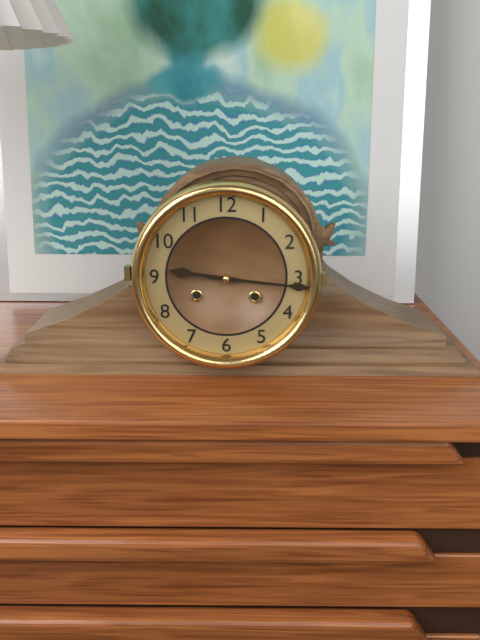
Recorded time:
{"hour": 9, "minute": 16}
